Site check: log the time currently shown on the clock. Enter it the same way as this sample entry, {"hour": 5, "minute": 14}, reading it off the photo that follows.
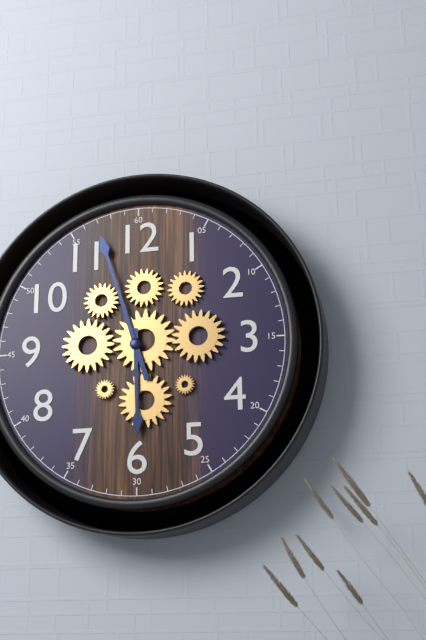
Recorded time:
{"hour": 5, "minute": 57}
